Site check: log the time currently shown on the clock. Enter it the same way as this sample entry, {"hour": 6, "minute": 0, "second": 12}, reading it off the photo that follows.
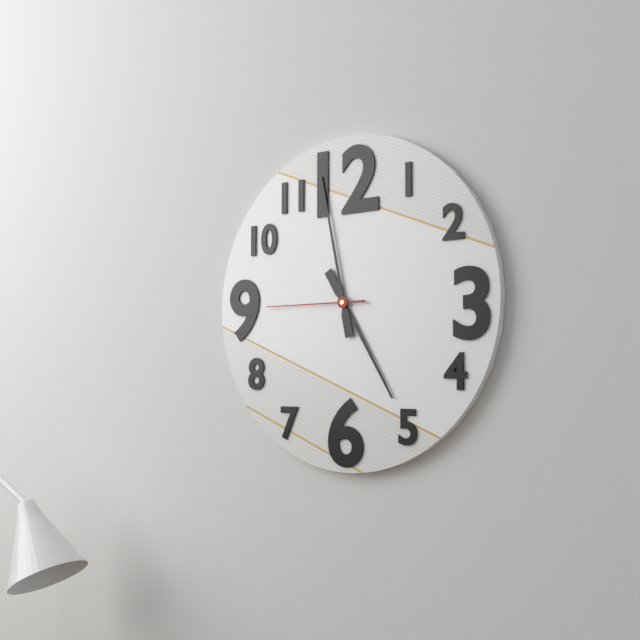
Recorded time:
{"hour": 4, "minute": 58, "second": 45}
